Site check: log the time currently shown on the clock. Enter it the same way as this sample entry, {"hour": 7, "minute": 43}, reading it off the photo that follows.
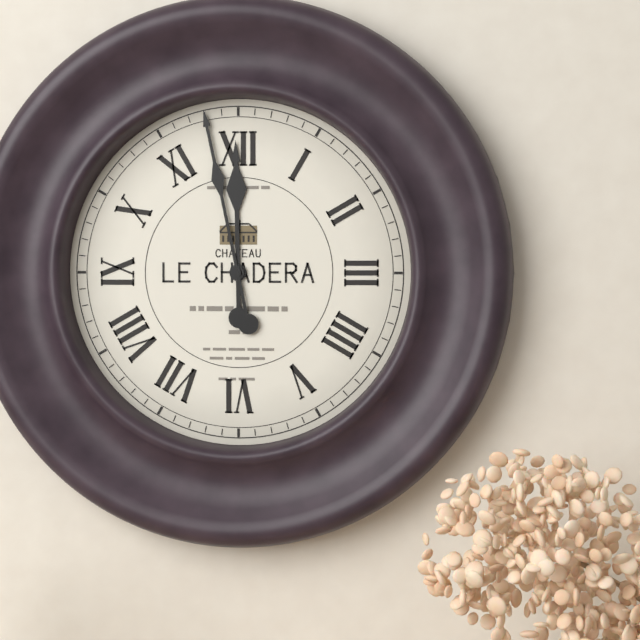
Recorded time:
{"hour": 11, "minute": 58}
